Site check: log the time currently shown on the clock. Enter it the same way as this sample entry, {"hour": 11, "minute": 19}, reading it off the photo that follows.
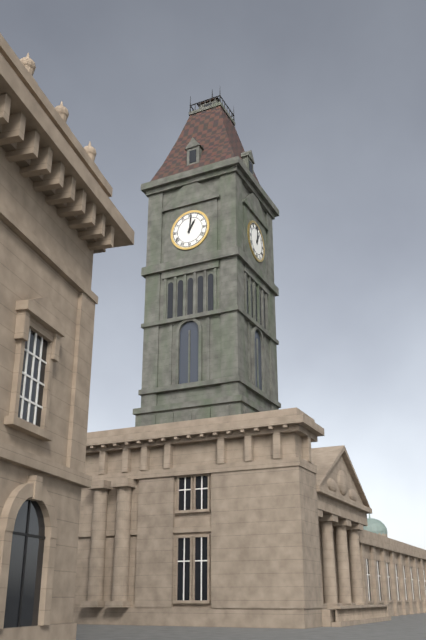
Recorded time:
{"hour": 1, "minute": 1}
